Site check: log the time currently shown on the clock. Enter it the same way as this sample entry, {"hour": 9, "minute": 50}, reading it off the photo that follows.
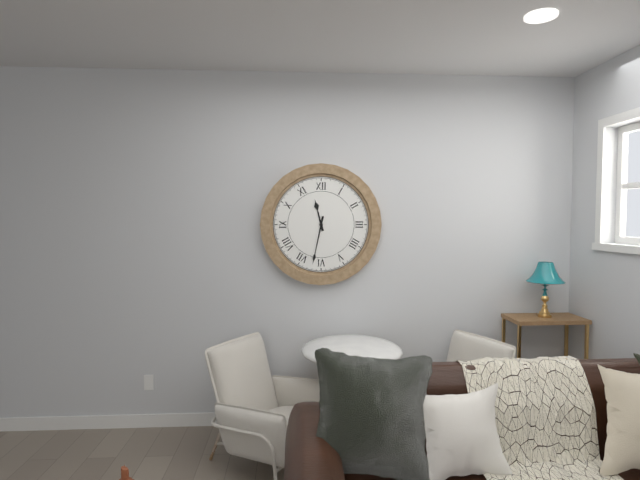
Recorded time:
{"hour": 11, "minute": 32}
